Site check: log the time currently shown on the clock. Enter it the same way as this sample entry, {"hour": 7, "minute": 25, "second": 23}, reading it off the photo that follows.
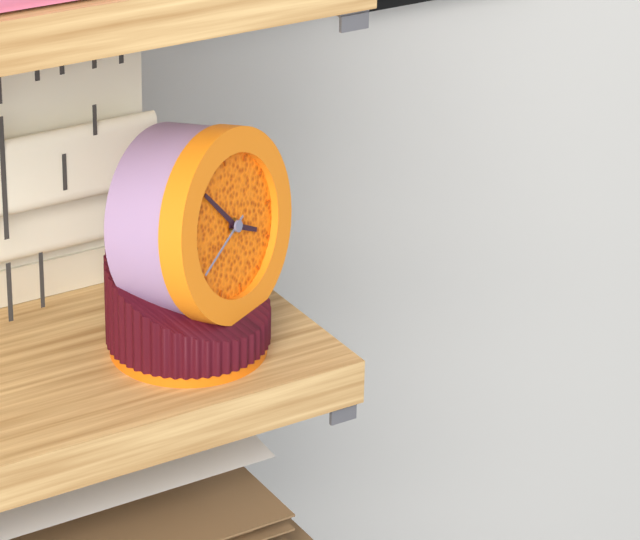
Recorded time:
{"hour": 3, "minute": 53, "second": 41}
